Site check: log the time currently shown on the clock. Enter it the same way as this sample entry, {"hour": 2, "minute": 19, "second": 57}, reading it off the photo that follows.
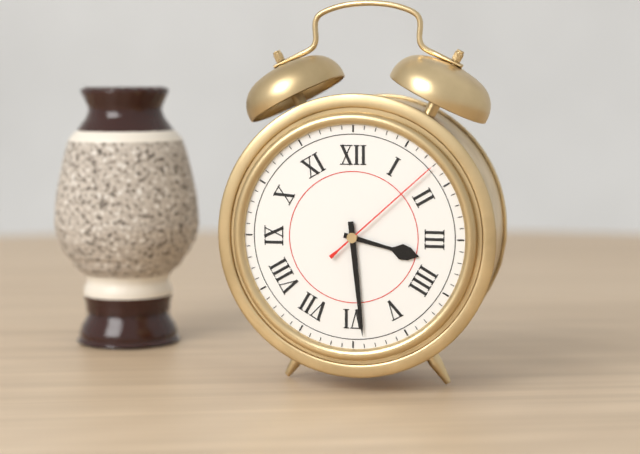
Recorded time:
{"hour": 3, "minute": 29, "second": 8}
